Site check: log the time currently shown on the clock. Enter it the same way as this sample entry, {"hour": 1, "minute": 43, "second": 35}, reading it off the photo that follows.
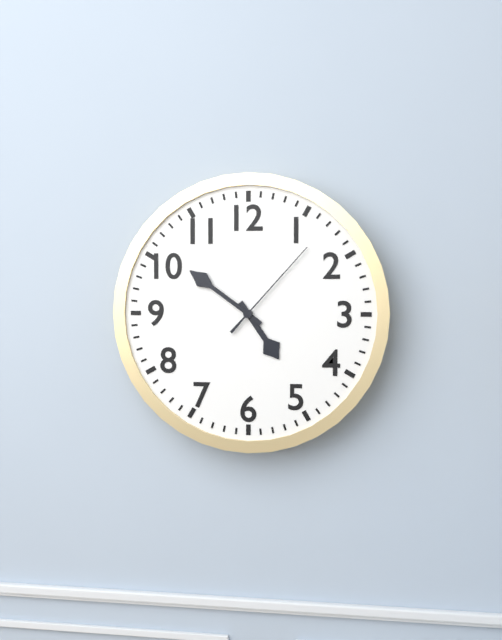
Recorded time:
{"hour": 4, "minute": 51, "second": 7}
